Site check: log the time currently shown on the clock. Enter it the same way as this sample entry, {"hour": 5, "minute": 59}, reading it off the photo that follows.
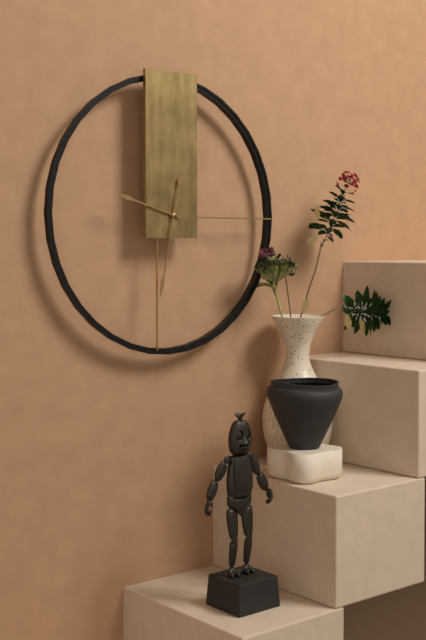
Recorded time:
{"hour": 9, "minute": 32}
